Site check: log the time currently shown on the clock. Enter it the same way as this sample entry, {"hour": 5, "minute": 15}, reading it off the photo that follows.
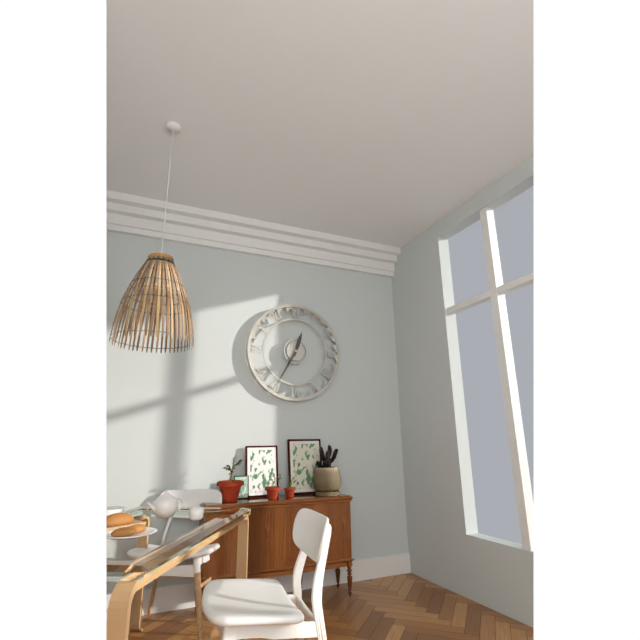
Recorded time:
{"hour": 12, "minute": 35}
